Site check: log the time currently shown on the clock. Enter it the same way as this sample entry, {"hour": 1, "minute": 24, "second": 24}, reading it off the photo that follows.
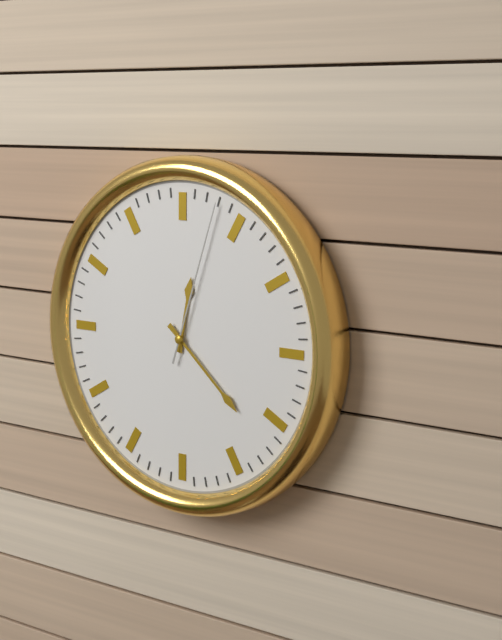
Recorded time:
{"hour": 12, "minute": 22, "second": 3}
